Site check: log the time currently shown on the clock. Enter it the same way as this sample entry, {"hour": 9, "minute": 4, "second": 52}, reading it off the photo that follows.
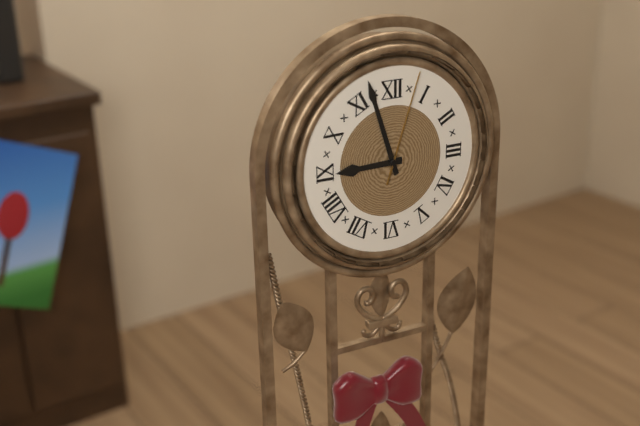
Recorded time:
{"hour": 8, "minute": 57, "second": 3}
